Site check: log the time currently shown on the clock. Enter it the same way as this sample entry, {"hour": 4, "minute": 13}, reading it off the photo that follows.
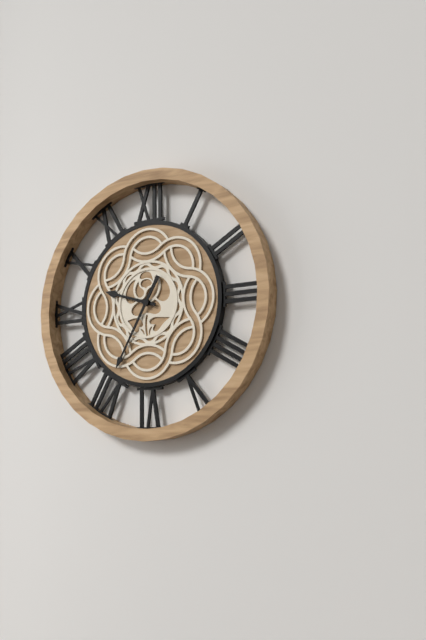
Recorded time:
{"hour": 9, "minute": 35}
